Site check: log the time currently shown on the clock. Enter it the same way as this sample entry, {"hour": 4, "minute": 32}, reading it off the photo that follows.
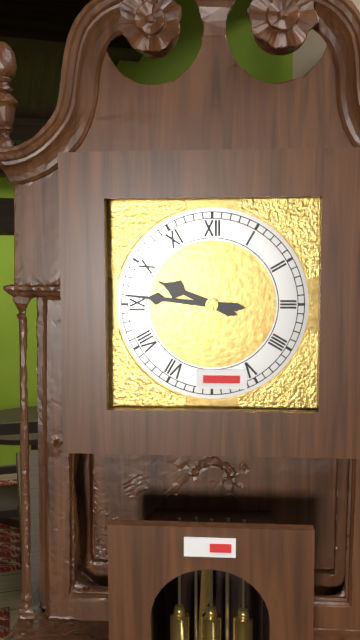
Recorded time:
{"hour": 9, "minute": 46}
